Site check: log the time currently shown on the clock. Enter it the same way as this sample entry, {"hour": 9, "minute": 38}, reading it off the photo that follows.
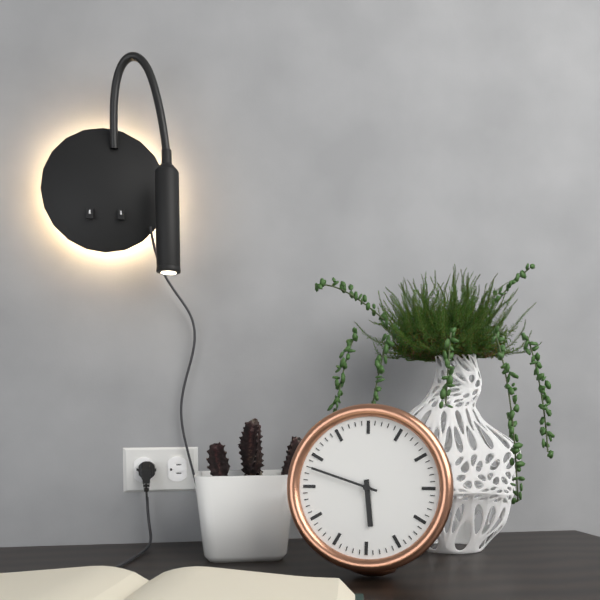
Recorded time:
{"hour": 5, "minute": 48}
